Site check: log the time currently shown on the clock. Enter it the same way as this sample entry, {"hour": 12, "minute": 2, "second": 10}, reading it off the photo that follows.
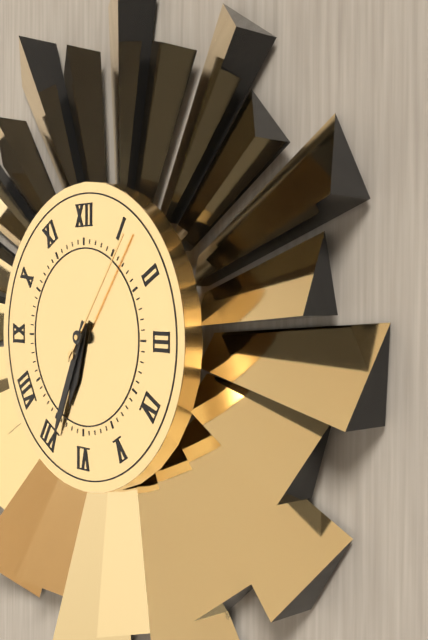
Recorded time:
{"hour": 6, "minute": 34, "second": 6}
